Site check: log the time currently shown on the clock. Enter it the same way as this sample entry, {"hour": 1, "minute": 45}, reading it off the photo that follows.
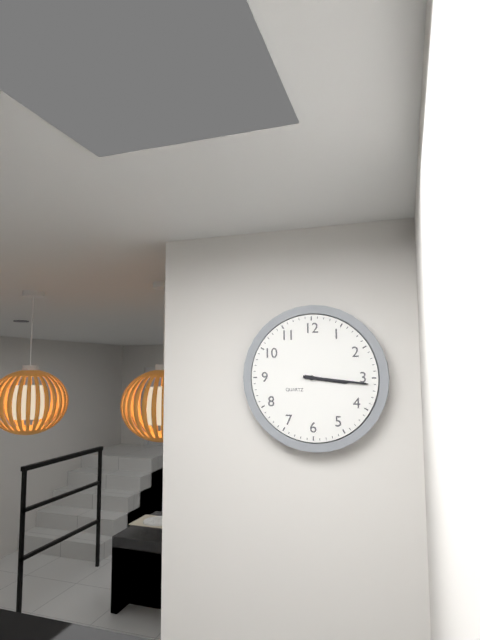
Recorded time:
{"hour": 3, "minute": 16}
